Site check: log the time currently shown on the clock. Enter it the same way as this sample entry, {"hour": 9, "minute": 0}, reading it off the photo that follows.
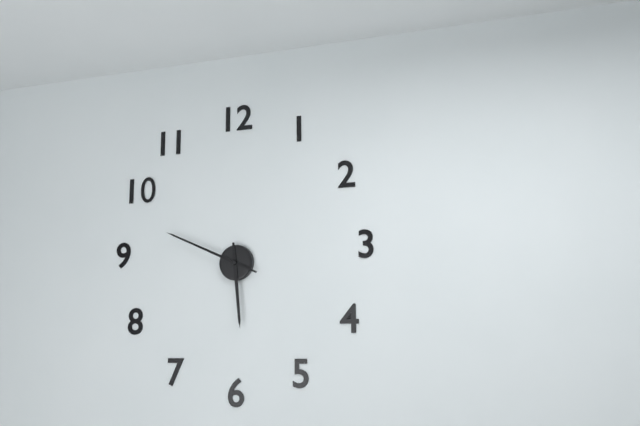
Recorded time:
{"hour": 5, "minute": 49}
